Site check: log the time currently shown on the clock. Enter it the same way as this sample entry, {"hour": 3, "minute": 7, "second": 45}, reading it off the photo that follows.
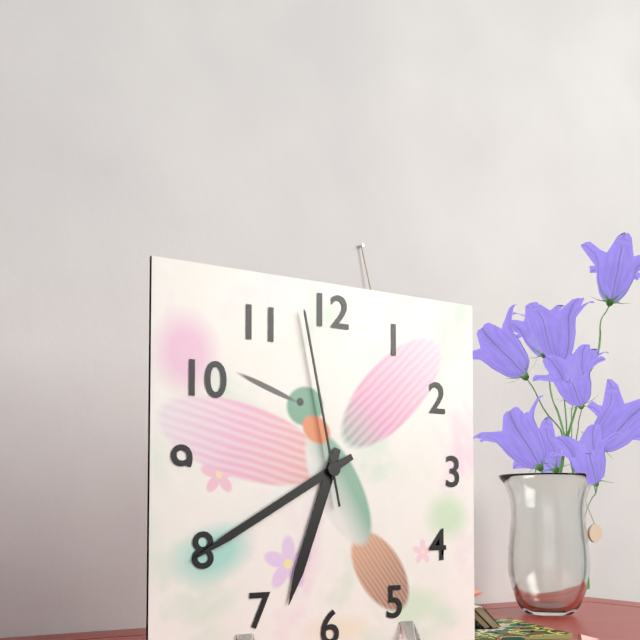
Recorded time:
{"hour": 6, "minute": 40, "second": 58}
